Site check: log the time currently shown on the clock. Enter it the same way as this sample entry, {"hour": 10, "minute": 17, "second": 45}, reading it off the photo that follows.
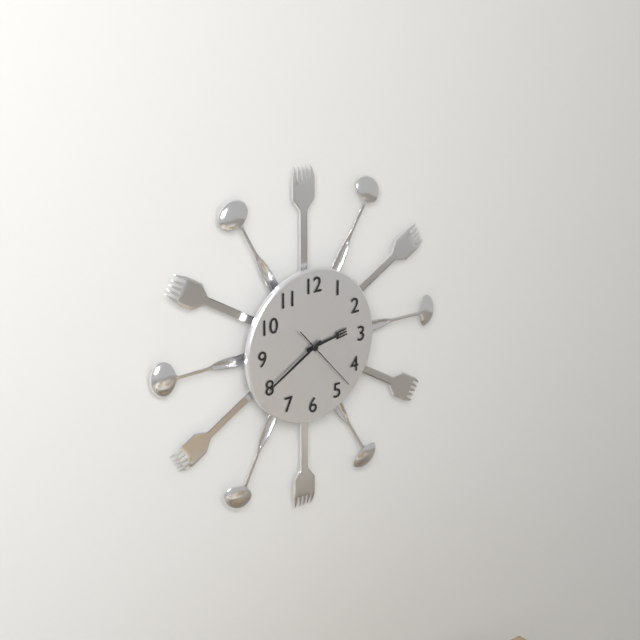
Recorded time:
{"hour": 2, "minute": 40, "second": 23}
